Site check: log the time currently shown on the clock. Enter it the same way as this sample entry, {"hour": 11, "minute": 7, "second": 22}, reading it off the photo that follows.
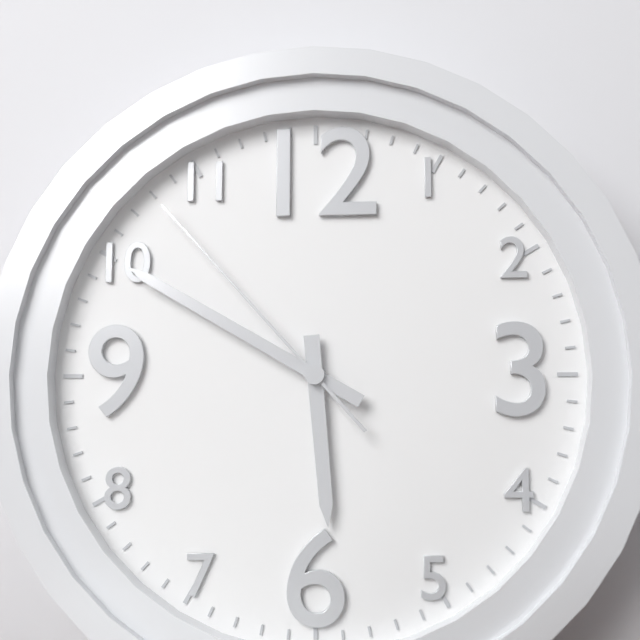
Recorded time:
{"hour": 5, "minute": 50, "second": 53}
